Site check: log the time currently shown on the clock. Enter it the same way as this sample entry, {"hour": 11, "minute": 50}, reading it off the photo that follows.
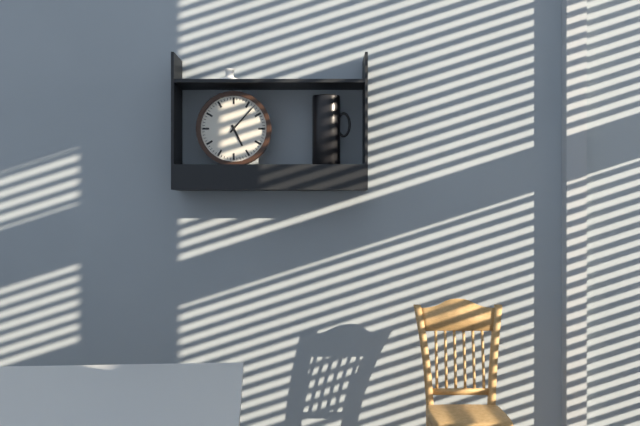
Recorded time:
{"hour": 5, "minute": 7}
